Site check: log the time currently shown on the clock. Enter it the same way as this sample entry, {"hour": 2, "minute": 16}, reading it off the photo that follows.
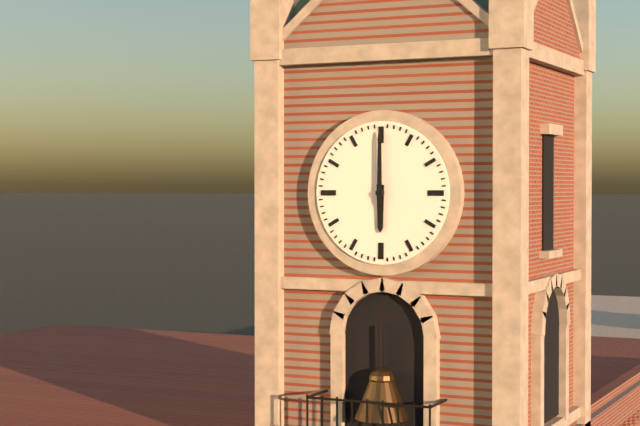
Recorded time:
{"hour": 6, "minute": 0}
